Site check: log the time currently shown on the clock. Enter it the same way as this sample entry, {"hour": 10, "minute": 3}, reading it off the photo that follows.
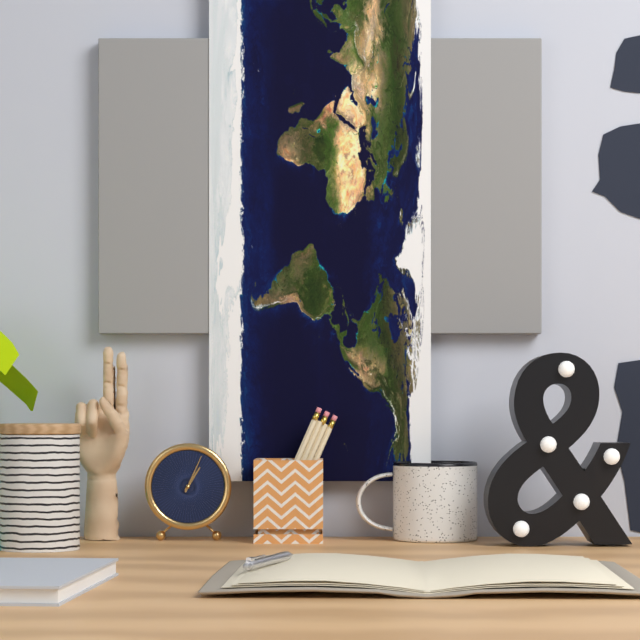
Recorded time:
{"hour": 1, "minute": 4}
